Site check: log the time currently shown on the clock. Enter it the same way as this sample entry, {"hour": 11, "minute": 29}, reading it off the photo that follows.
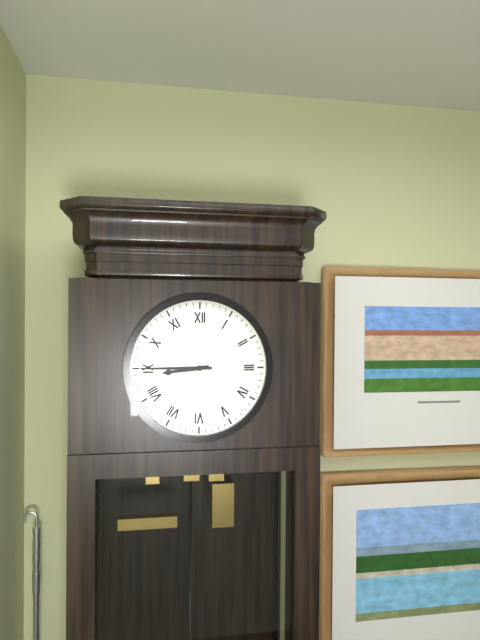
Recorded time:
{"hour": 8, "minute": 45}
